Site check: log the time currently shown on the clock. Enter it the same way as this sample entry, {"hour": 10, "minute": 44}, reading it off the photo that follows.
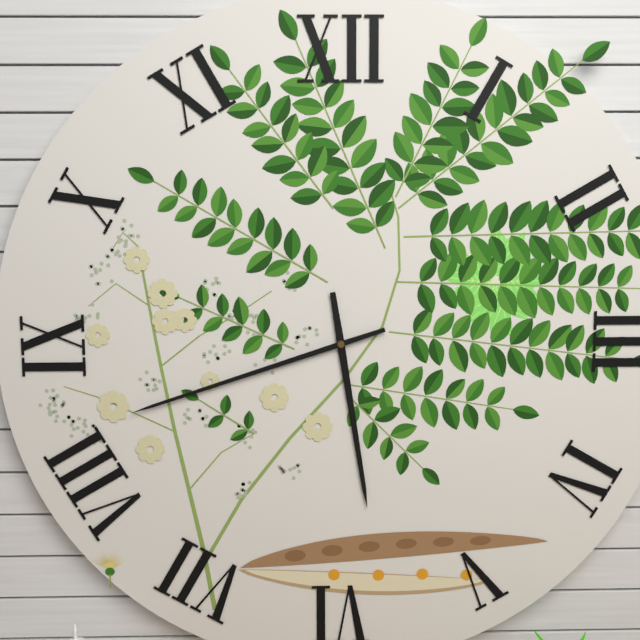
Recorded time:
{"hour": 5, "minute": 42}
